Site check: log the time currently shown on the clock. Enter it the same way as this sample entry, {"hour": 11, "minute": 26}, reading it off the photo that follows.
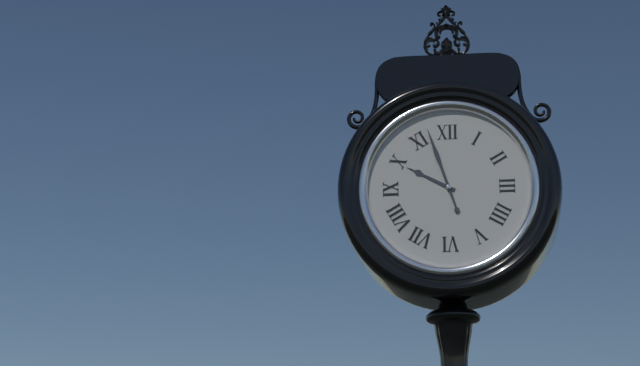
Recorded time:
{"hour": 9, "minute": 57}
